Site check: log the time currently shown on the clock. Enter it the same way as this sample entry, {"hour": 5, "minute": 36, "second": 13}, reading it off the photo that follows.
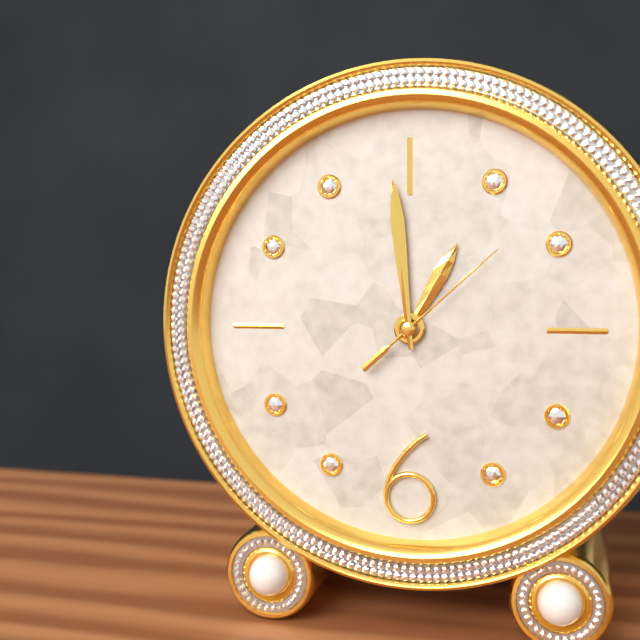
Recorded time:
{"hour": 12, "minute": 59, "second": 8}
